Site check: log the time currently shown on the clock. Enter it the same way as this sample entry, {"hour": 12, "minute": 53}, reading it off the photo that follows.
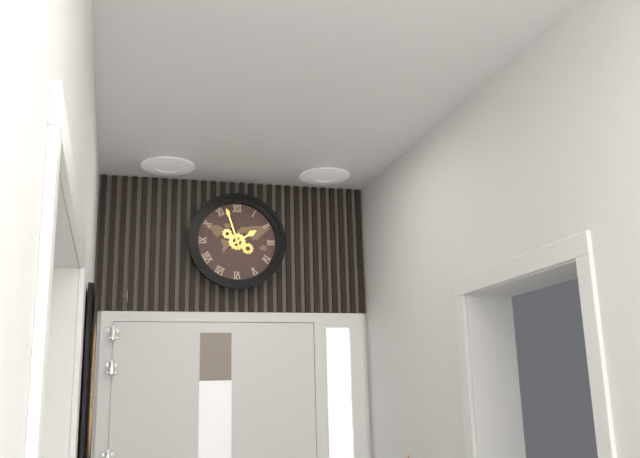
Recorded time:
{"hour": 1, "minute": 57}
